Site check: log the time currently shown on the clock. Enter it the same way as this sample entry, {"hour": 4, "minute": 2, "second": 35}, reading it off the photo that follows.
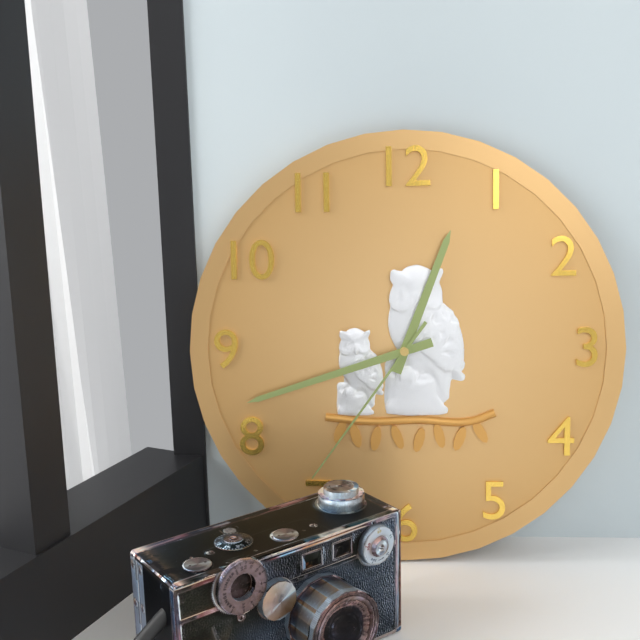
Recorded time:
{"hour": 12, "minute": 42, "second": 36}
